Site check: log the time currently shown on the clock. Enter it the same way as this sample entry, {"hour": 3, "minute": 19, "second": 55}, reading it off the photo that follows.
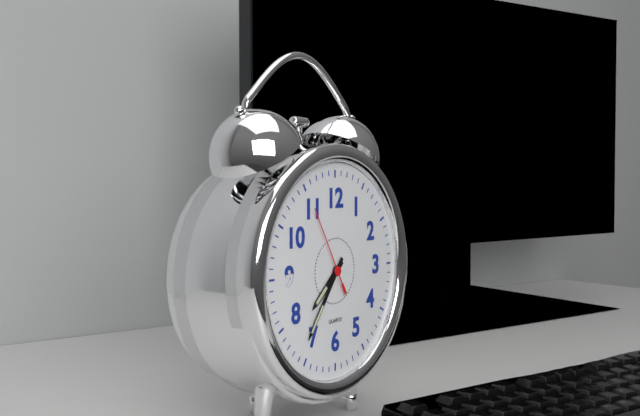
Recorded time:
{"hour": 7, "minute": 36, "second": 55}
